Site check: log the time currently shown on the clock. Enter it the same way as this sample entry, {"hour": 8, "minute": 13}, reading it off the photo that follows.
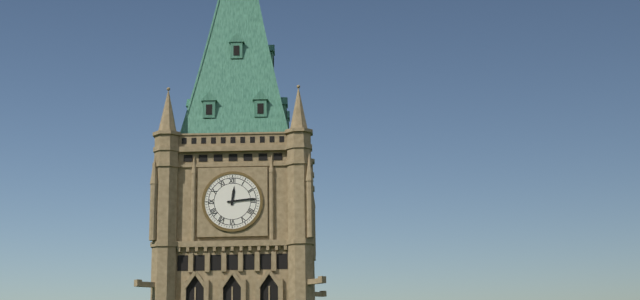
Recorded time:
{"hour": 12, "minute": 14}
